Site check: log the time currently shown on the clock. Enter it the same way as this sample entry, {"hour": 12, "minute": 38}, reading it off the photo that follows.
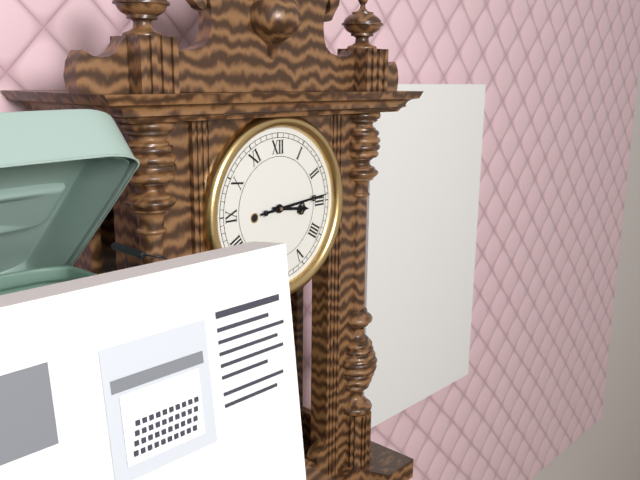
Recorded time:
{"hour": 3, "minute": 14}
